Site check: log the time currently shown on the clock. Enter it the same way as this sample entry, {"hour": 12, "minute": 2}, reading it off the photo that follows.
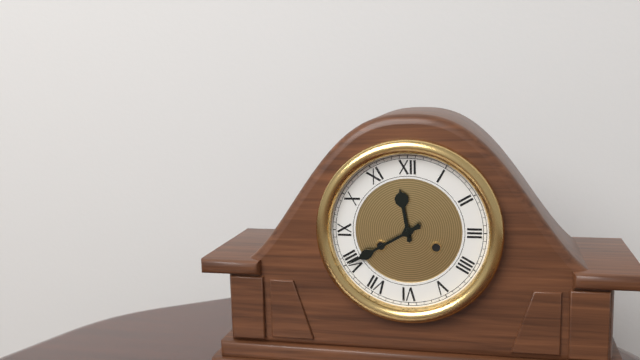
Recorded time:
{"hour": 11, "minute": 40}
